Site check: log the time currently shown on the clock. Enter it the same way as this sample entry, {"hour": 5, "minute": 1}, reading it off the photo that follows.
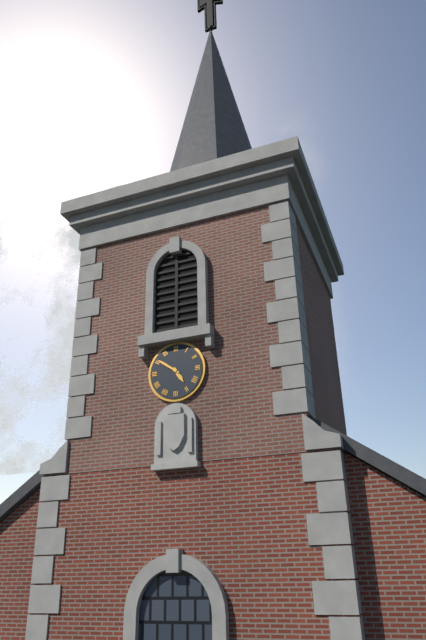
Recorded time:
{"hour": 4, "minute": 51}
